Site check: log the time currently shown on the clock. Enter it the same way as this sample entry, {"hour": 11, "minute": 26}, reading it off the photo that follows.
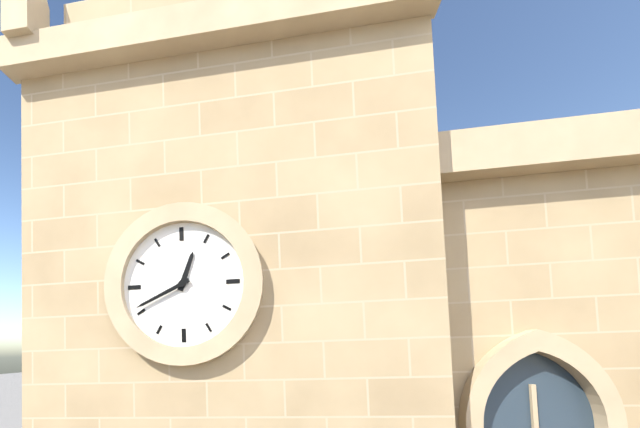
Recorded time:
{"hour": 12, "minute": 41}
